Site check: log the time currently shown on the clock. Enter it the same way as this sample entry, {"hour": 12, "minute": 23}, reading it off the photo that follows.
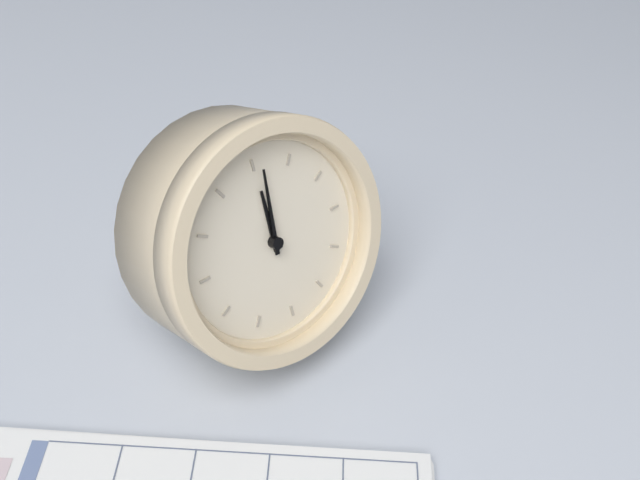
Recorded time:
{"hour": 12, "minute": 1}
